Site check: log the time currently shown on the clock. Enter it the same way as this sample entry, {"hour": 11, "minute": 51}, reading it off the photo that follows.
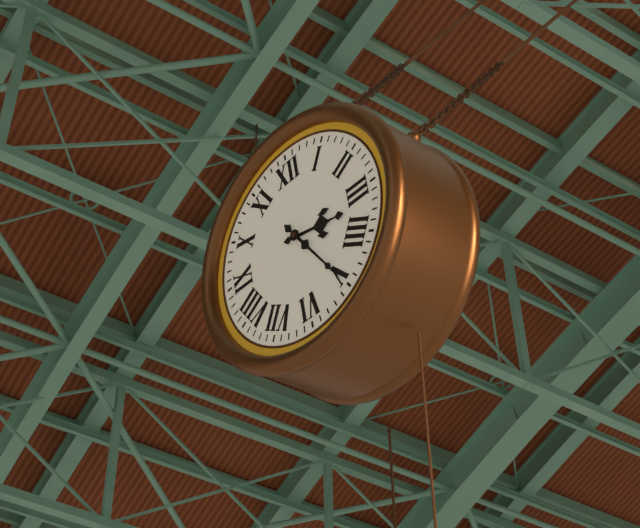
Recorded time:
{"hour": 3, "minute": 25}
